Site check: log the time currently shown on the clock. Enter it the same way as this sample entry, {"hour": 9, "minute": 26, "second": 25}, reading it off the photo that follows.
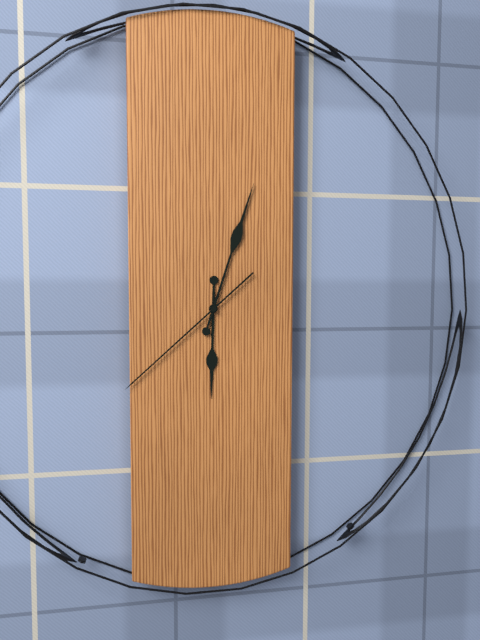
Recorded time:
{"hour": 6, "minute": 3, "second": 38}
